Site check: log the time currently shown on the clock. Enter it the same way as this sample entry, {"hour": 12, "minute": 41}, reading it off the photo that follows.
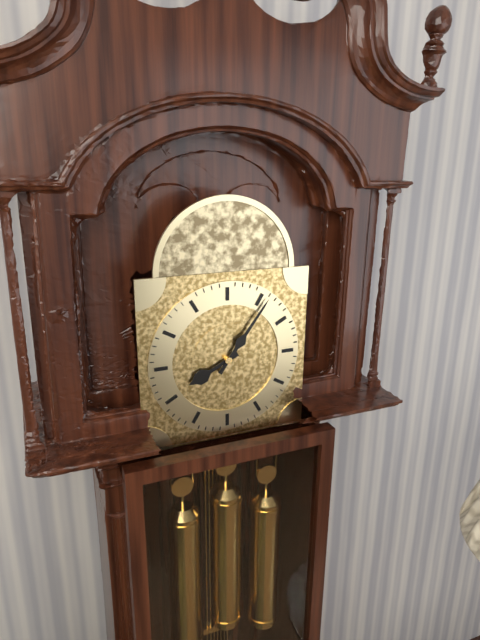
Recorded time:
{"hour": 8, "minute": 6}
